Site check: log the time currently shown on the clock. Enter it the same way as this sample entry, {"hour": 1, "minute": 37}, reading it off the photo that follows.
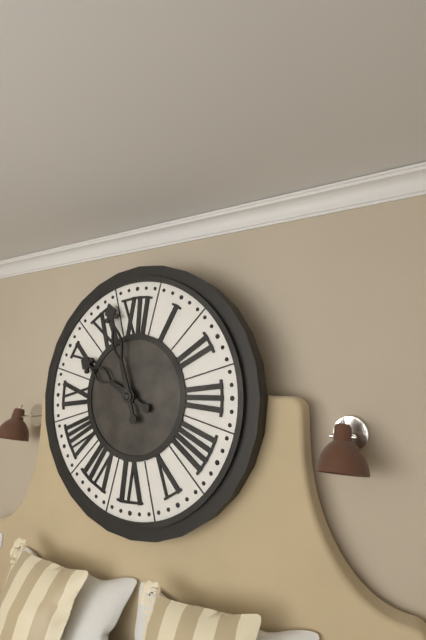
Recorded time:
{"hour": 9, "minute": 57}
